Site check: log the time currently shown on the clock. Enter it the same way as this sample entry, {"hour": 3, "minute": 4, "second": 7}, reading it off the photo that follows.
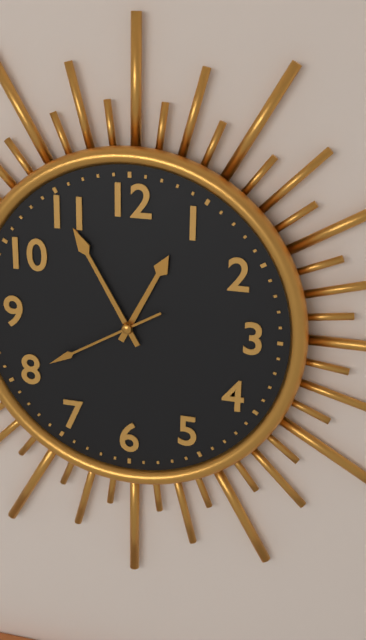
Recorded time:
{"hour": 12, "minute": 55, "second": 40}
